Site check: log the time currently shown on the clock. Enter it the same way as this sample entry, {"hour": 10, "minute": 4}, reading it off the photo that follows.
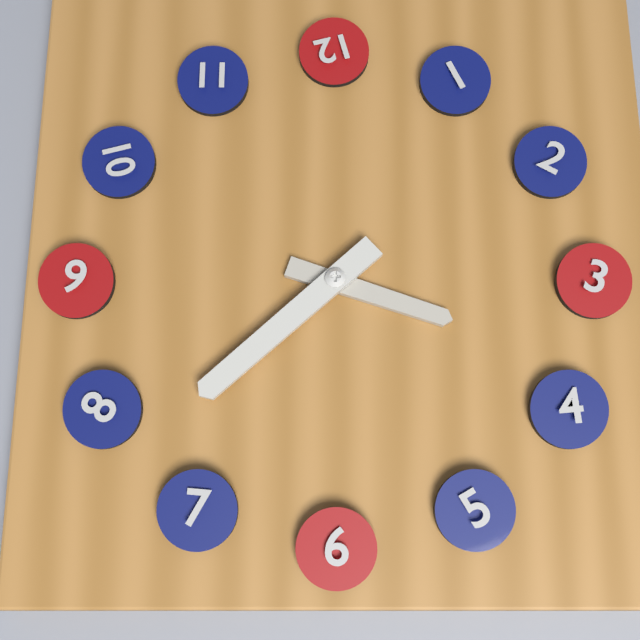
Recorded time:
{"hour": 3, "minute": 38}
